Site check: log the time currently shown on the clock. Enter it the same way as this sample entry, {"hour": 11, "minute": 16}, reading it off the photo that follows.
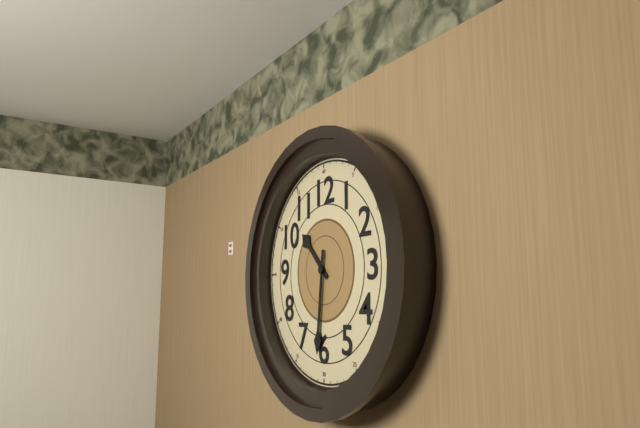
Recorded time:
{"hour": 10, "minute": 31}
